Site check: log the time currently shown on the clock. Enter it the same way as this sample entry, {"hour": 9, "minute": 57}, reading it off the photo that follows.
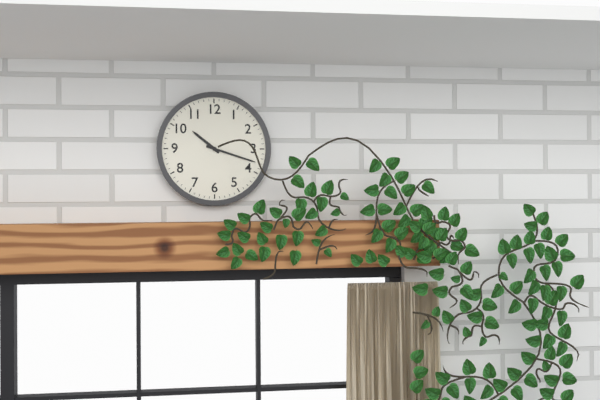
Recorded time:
{"hour": 10, "minute": 18}
